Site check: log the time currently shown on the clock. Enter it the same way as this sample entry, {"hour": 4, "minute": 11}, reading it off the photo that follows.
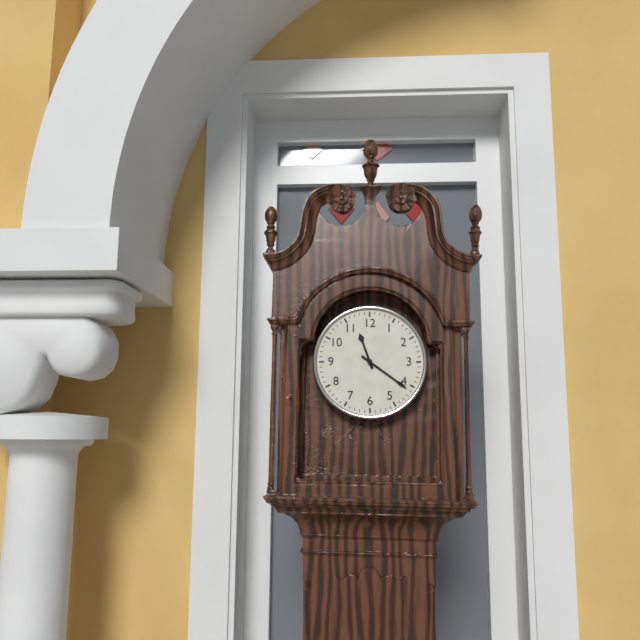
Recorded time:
{"hour": 11, "minute": 21}
